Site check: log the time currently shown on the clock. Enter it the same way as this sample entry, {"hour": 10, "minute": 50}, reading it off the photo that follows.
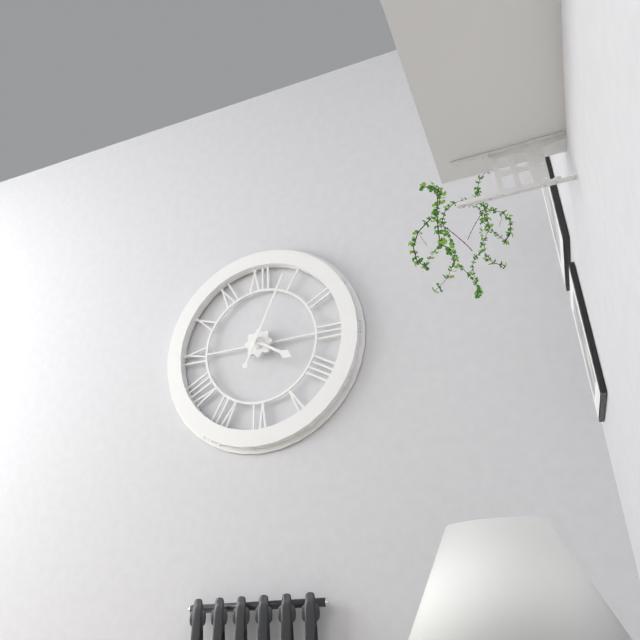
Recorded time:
{"hour": 4, "minute": 4}
